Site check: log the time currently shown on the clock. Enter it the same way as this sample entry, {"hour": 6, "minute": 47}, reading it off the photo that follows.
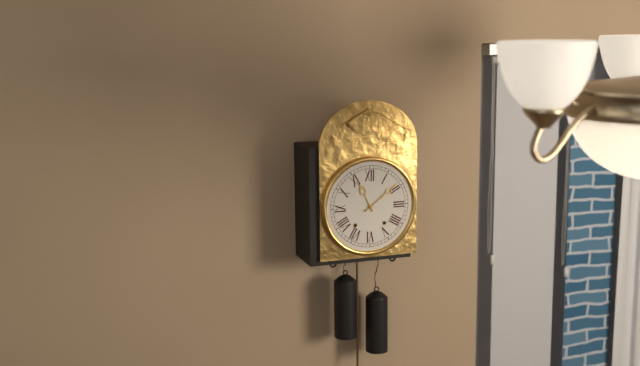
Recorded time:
{"hour": 11, "minute": 9}
